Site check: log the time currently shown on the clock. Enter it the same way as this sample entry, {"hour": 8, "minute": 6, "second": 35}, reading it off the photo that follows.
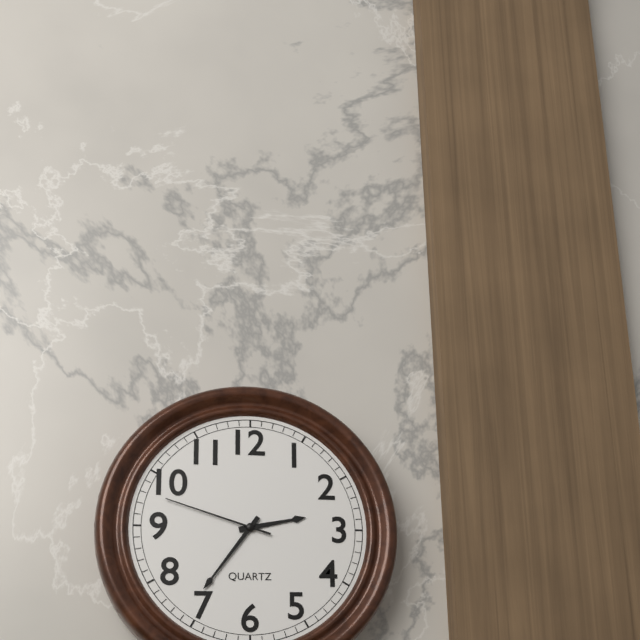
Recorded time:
{"hour": 2, "minute": 36, "second": 48}
